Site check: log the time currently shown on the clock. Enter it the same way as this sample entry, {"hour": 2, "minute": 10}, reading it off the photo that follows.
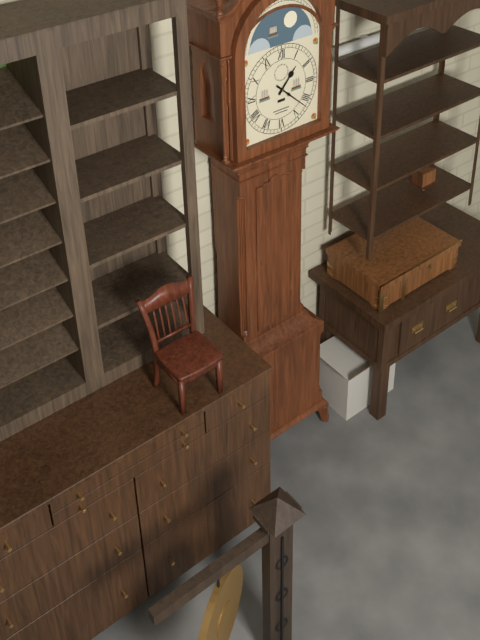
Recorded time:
{"hour": 1, "minute": 22}
